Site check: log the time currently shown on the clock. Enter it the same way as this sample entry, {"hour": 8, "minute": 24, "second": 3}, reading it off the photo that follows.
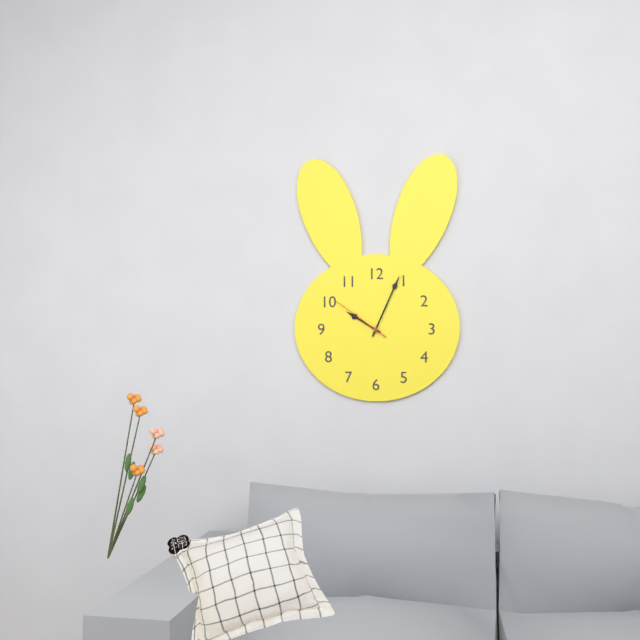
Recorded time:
{"hour": 10, "minute": 4, "second": 51}
